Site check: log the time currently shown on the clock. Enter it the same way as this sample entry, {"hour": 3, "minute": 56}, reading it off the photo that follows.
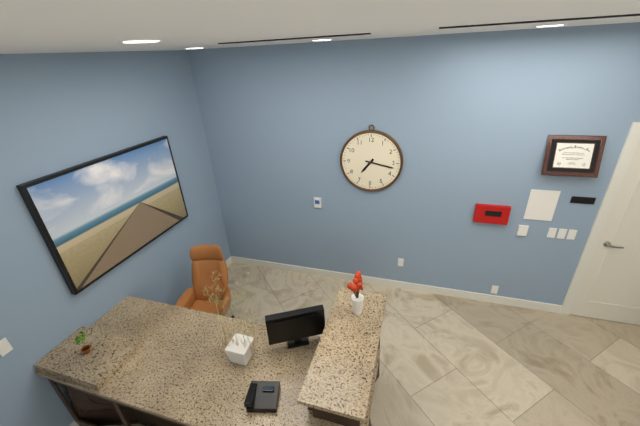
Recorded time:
{"hour": 7, "minute": 17}
